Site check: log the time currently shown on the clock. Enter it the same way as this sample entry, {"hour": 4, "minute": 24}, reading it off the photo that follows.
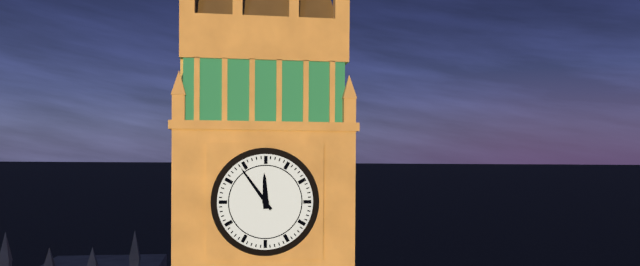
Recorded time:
{"hour": 11, "minute": 54}
